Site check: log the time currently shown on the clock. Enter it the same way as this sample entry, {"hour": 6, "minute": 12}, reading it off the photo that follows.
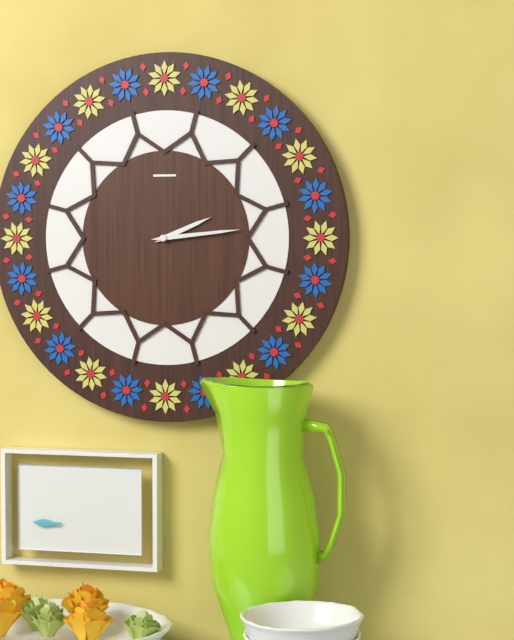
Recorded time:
{"hour": 2, "minute": 14}
